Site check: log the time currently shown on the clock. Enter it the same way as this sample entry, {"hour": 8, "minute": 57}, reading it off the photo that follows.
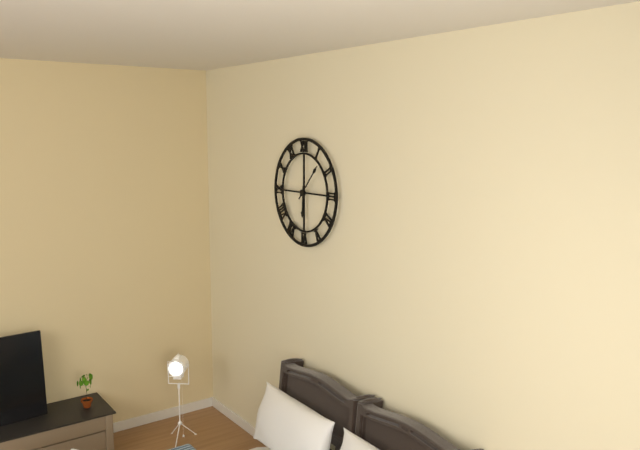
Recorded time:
{"hour": 6, "minute": 7}
